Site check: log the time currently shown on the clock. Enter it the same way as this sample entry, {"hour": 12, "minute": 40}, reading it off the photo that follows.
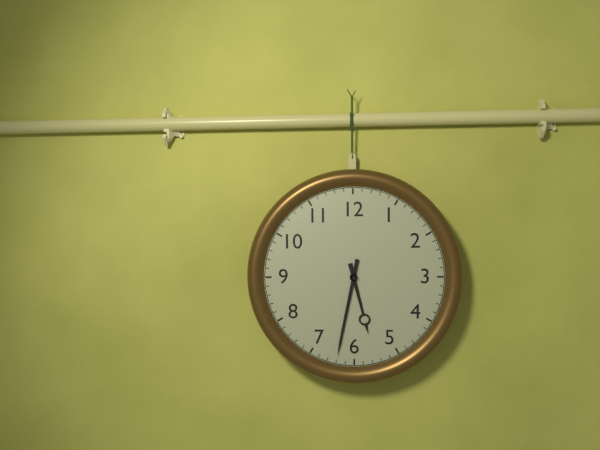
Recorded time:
{"hour": 5, "minute": 32}
